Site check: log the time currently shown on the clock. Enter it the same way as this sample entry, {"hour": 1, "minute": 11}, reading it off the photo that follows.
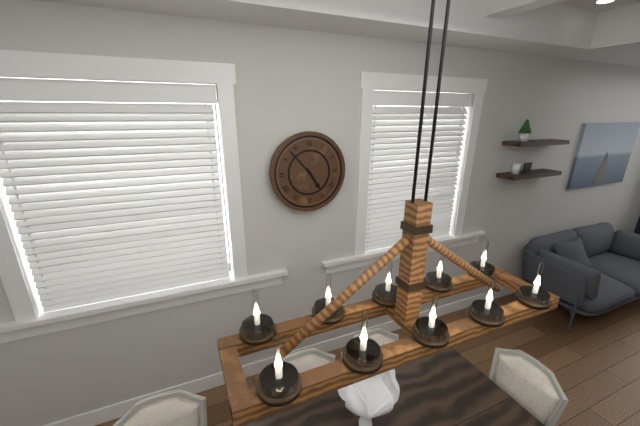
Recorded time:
{"hour": 4, "minute": 53}
